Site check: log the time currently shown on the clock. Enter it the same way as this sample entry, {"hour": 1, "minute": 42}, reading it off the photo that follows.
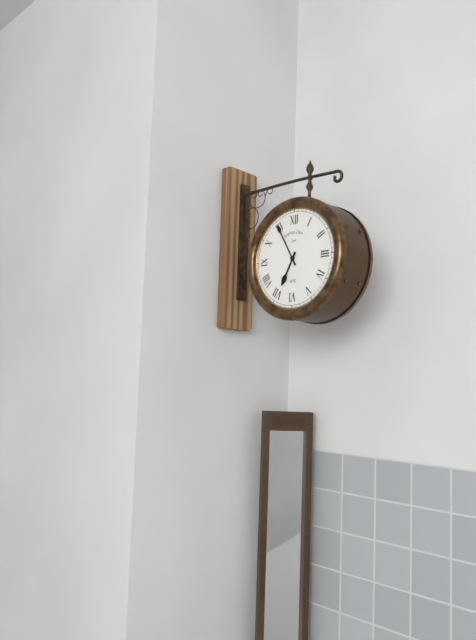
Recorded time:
{"hour": 6, "minute": 55}
